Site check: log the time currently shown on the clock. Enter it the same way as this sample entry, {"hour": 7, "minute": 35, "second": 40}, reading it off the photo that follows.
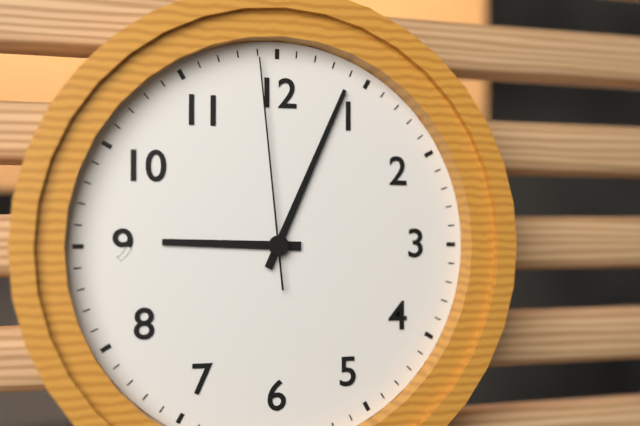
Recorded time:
{"hour": 9, "minute": 4, "second": 59}
